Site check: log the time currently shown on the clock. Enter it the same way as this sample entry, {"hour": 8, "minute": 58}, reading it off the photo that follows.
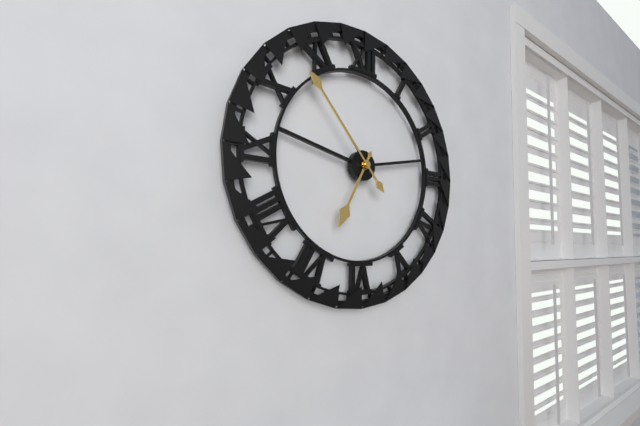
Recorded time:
{"hour": 6, "minute": 53}
